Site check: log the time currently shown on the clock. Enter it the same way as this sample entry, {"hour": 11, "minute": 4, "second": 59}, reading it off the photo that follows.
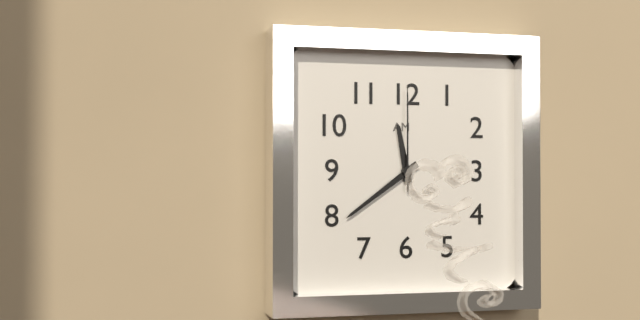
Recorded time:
{"hour": 11, "minute": 39, "second": 0}
